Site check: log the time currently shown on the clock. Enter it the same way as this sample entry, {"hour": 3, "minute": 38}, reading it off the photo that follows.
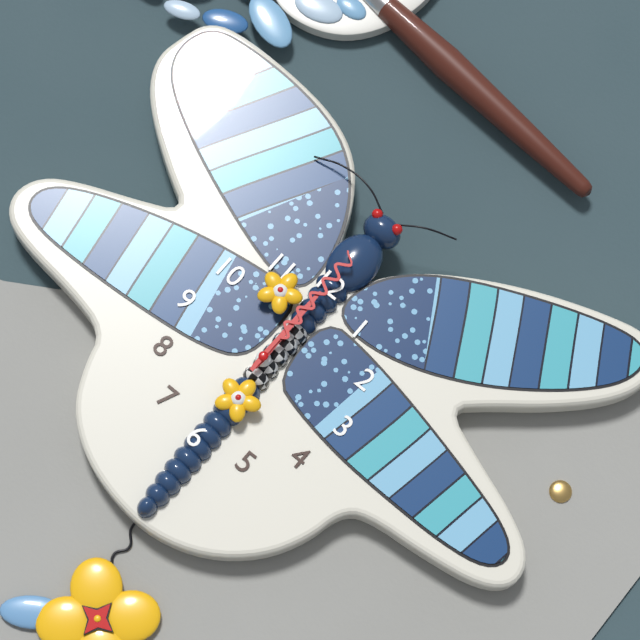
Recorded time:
{"hour": 12, "minute": 0}
